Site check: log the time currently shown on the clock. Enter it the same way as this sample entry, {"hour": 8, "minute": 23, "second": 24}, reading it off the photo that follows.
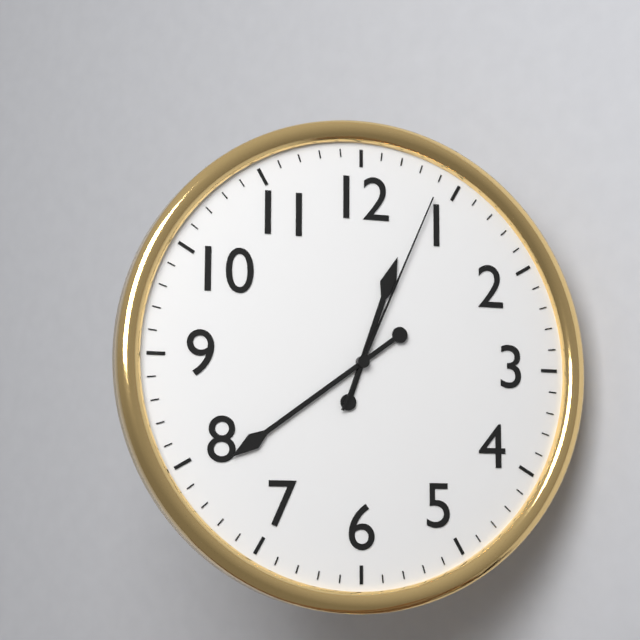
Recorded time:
{"hour": 12, "minute": 39, "second": 4}
